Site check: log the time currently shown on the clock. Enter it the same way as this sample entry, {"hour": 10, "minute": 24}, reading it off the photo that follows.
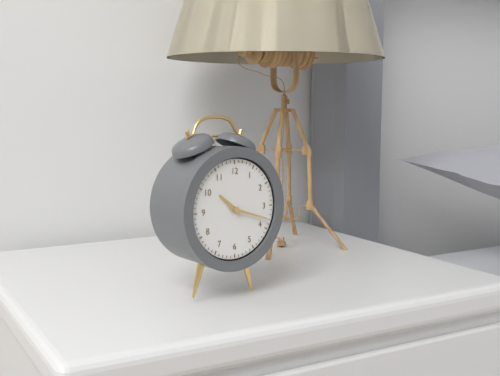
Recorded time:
{"hour": 10, "minute": 18}
